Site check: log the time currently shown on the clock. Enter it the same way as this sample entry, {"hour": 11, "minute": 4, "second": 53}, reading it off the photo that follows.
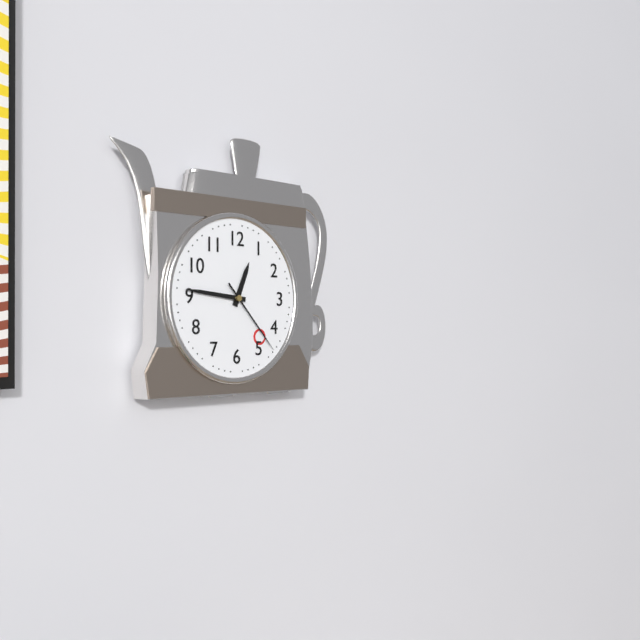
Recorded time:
{"hour": 12, "minute": 46, "second": 23}
